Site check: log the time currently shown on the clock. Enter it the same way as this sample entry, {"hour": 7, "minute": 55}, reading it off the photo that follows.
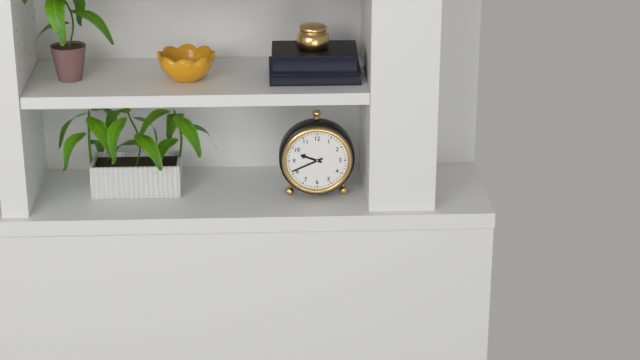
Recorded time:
{"hour": 9, "minute": 41}
